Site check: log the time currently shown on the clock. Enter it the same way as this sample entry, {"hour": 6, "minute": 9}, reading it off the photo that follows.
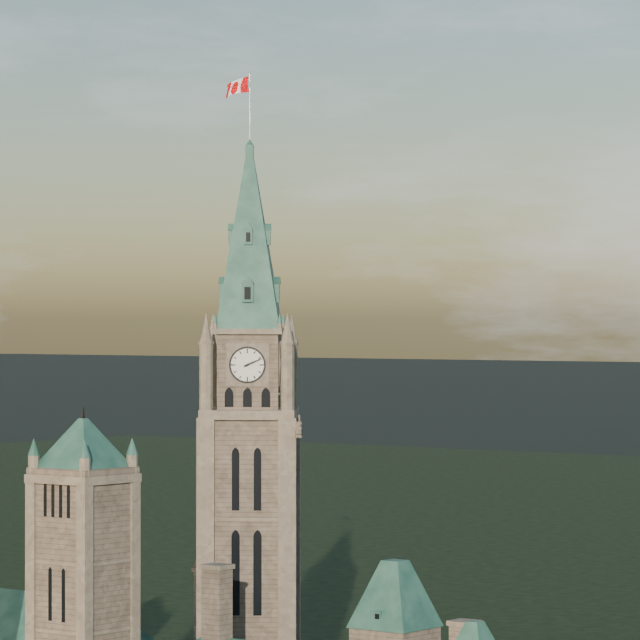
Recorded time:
{"hour": 2, "minute": 11}
